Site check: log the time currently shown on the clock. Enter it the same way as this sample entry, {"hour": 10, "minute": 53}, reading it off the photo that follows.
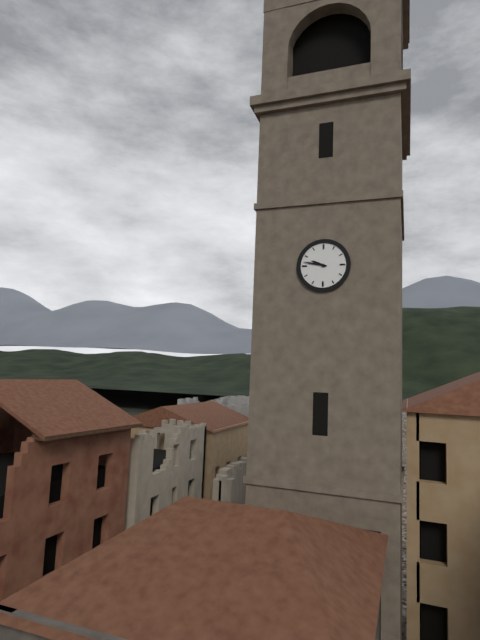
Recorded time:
{"hour": 9, "minute": 47}
